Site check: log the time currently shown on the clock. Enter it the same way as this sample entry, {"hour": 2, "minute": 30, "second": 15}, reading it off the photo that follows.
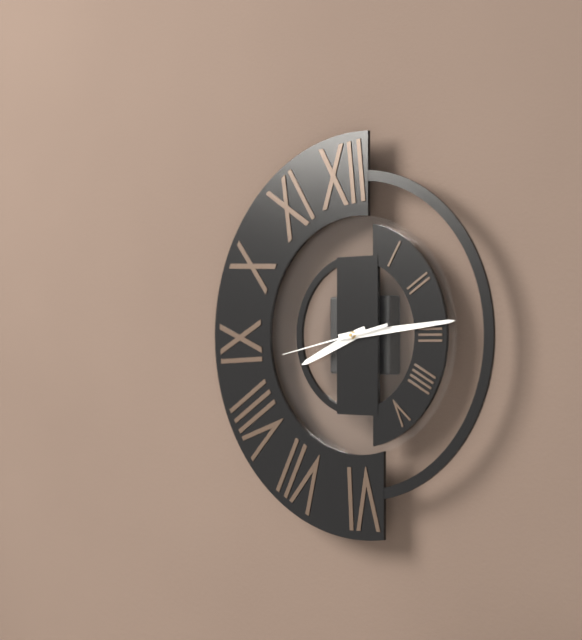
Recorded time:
{"hour": 8, "minute": 14, "second": 43}
